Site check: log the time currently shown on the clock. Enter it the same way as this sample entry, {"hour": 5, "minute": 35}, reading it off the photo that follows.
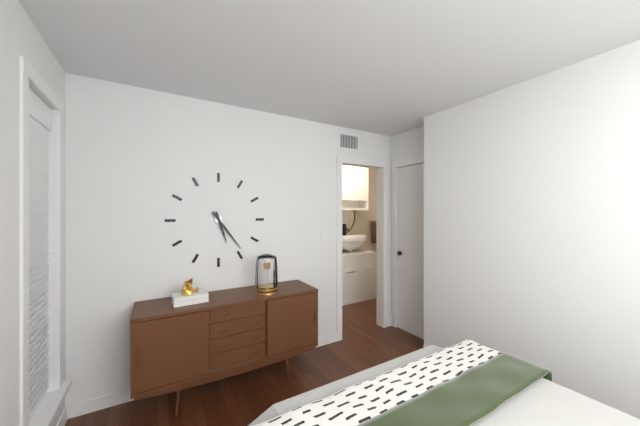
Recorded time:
{"hour": 5, "minute": 24}
